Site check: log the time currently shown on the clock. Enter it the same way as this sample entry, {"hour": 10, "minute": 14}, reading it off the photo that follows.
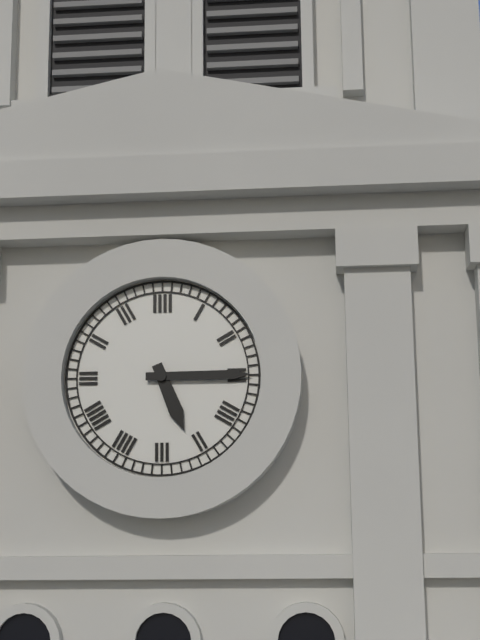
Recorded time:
{"hour": 5, "minute": 15}
